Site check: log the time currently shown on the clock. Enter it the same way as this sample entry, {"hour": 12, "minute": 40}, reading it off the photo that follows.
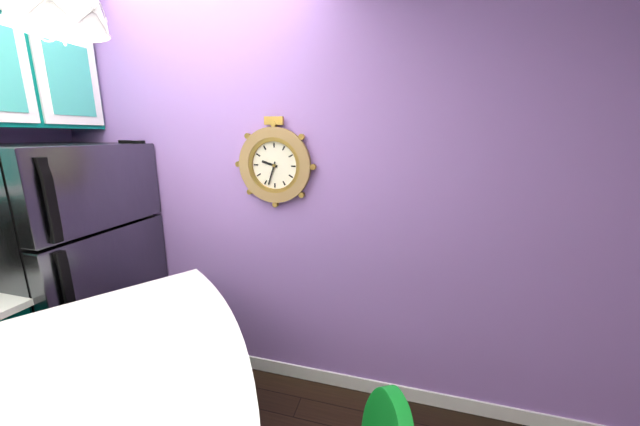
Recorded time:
{"hour": 9, "minute": 33}
